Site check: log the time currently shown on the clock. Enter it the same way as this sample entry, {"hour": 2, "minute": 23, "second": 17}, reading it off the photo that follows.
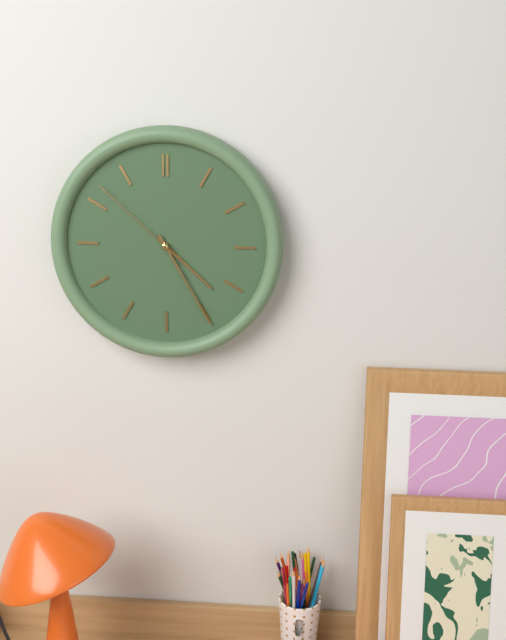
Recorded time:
{"hour": 4, "minute": 25, "second": 52}
